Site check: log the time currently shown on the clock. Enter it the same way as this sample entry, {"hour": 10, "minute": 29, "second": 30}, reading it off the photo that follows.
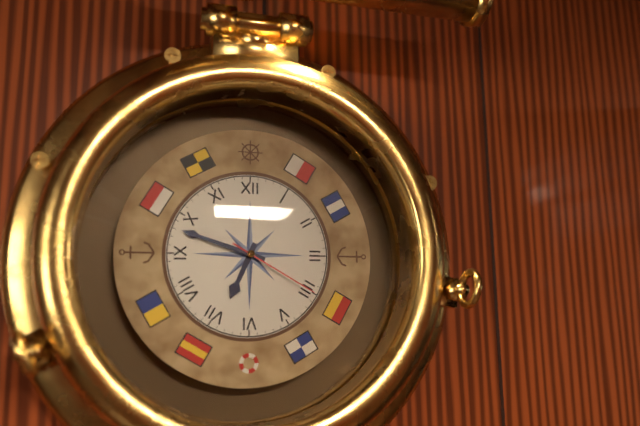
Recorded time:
{"hour": 6, "minute": 48, "second": 20}
